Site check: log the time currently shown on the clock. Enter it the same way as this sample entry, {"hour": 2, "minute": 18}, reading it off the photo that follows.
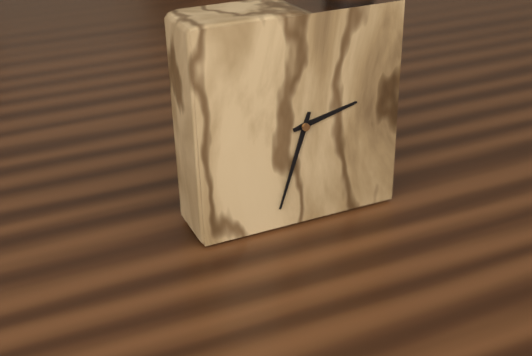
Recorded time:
{"hour": 2, "minute": 33}
